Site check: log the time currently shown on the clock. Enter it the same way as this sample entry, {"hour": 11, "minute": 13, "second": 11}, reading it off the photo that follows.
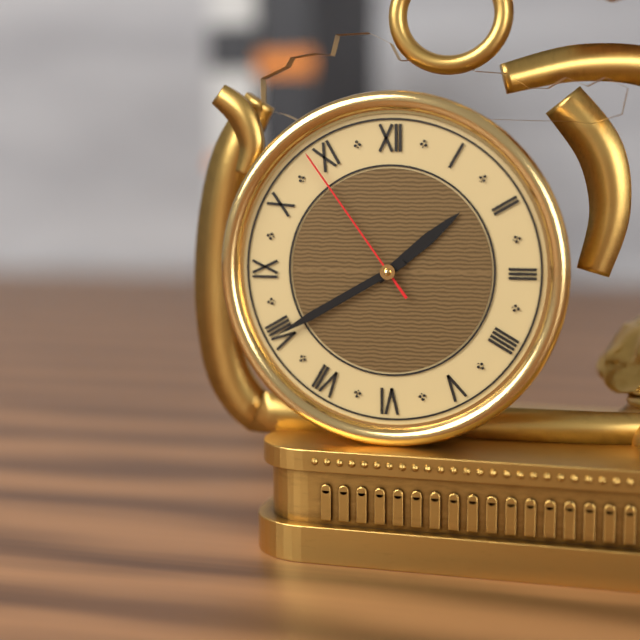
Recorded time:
{"hour": 1, "minute": 40, "second": 54}
